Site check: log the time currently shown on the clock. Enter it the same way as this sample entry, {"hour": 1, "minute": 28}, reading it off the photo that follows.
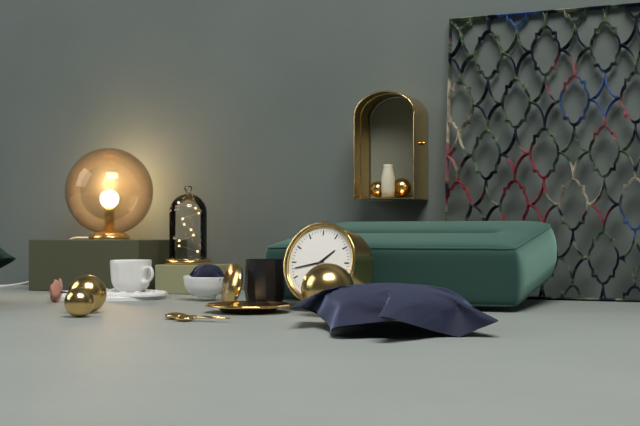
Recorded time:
{"hour": 1, "minute": 43}
